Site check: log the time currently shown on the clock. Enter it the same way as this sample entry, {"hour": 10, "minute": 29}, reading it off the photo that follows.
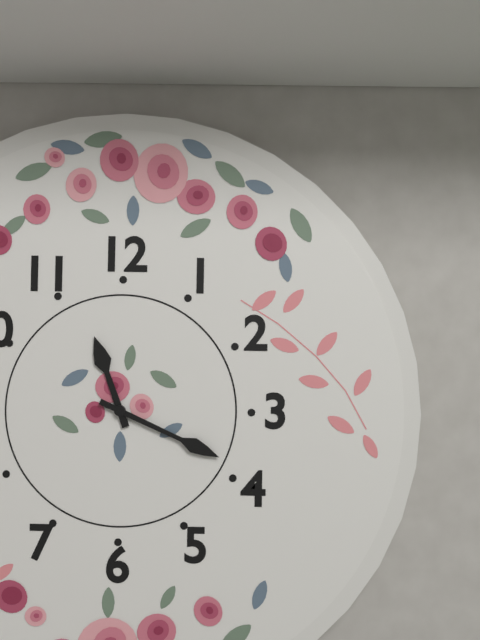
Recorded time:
{"hour": 11, "minute": 19}
